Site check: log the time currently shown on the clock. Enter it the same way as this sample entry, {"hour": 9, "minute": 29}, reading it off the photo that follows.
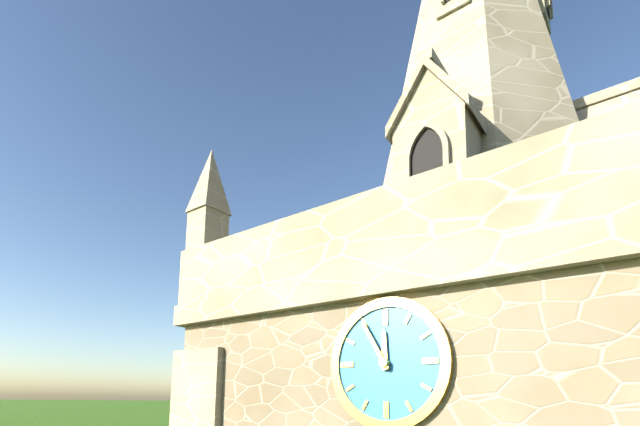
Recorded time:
{"hour": 11, "minute": 55}
